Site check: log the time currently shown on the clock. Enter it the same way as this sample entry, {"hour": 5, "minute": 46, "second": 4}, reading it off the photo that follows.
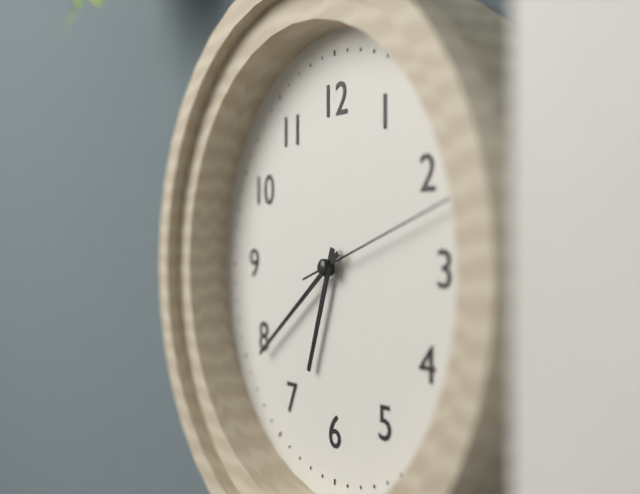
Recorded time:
{"hour": 6, "minute": 39, "second": 12}
